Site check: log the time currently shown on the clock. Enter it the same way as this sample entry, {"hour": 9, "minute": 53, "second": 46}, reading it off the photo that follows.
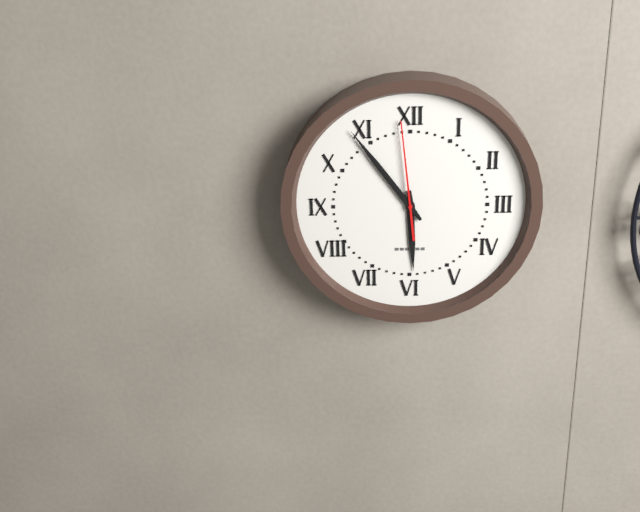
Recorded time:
{"hour": 5, "minute": 54, "second": 59}
